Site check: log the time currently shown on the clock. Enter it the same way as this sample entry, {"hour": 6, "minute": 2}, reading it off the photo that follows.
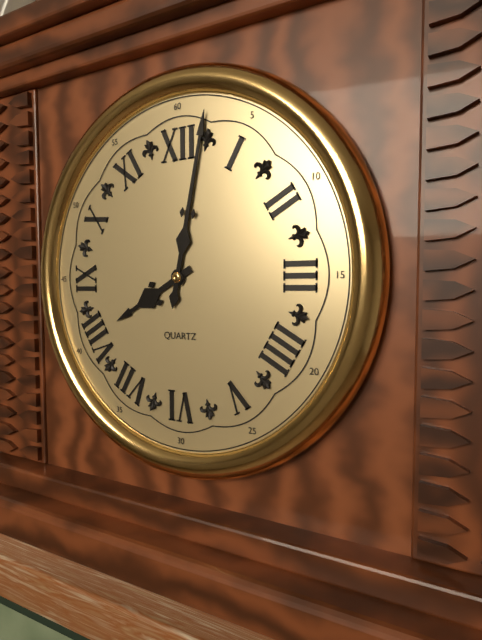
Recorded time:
{"hour": 8, "minute": 2}
